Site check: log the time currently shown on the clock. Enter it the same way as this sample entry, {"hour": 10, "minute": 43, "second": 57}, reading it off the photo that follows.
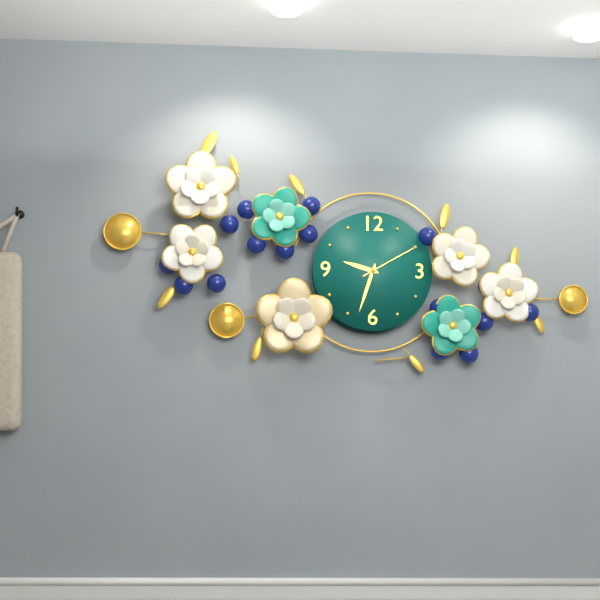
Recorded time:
{"hour": 9, "minute": 33, "second": 10}
